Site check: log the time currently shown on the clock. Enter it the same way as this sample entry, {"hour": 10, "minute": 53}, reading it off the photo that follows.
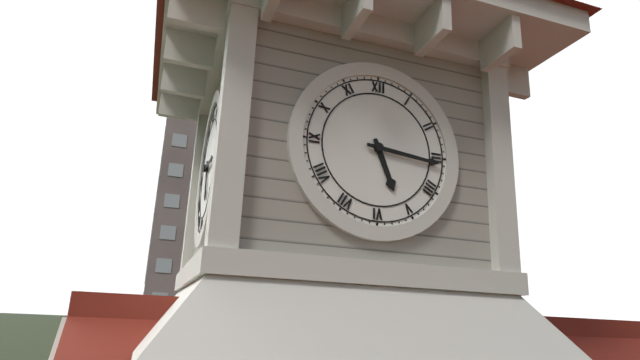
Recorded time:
{"hour": 5, "minute": 16}
